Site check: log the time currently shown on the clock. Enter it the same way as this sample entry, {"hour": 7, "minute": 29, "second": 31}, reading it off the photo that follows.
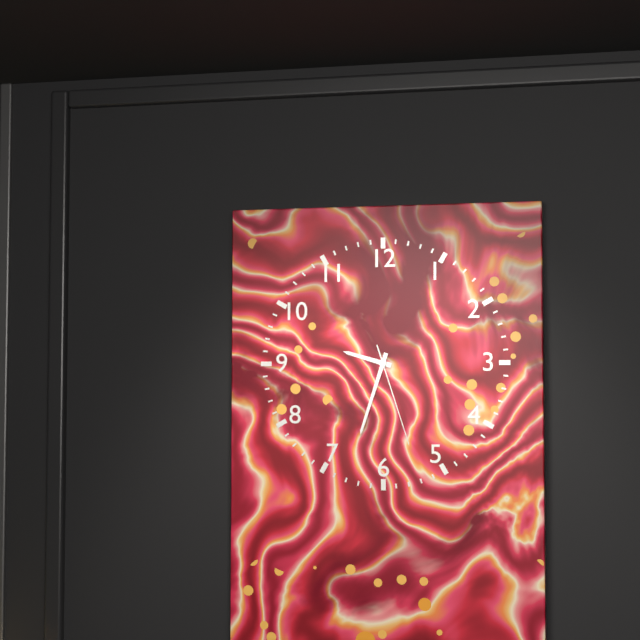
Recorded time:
{"hour": 9, "minute": 33, "second": 27}
